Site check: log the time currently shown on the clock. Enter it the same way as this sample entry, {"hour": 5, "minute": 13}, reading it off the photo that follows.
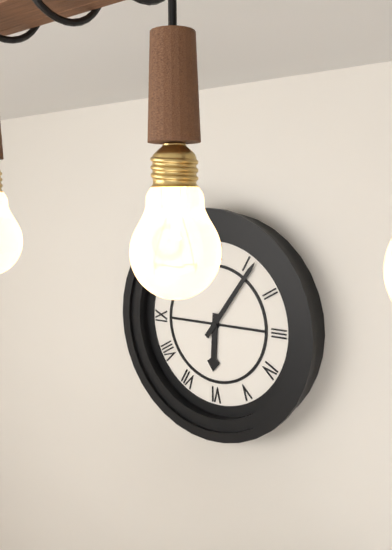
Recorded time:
{"hour": 6, "minute": 6}
